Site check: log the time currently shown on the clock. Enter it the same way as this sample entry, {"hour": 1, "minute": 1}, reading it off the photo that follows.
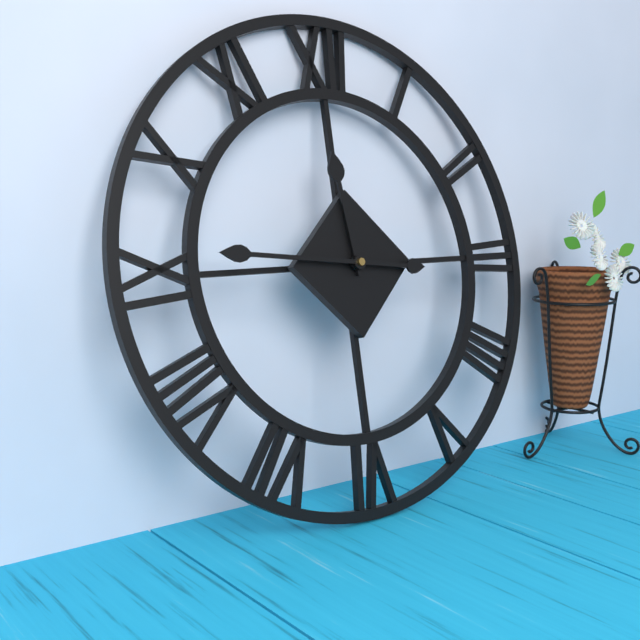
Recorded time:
{"hour": 11, "minute": 46}
